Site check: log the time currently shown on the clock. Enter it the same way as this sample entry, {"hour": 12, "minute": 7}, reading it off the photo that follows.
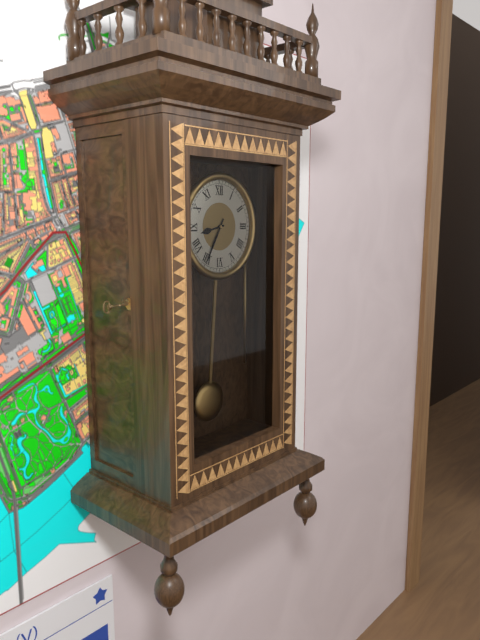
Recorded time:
{"hour": 8, "minute": 35}
